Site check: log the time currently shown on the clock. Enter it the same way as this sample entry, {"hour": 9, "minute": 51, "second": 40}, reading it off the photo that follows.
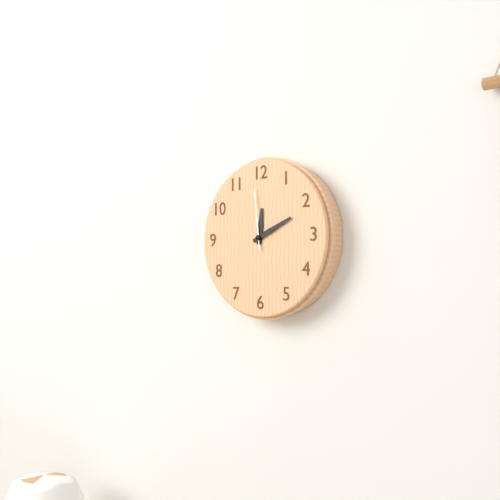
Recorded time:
{"hour": 12, "minute": 11, "second": 59}
